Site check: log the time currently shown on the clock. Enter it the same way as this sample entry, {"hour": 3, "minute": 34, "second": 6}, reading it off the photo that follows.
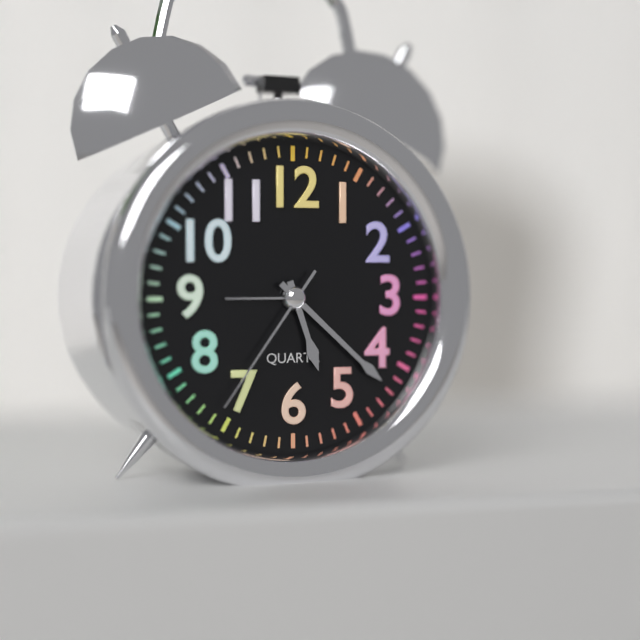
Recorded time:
{"hour": 5, "minute": 22, "second": 36}
